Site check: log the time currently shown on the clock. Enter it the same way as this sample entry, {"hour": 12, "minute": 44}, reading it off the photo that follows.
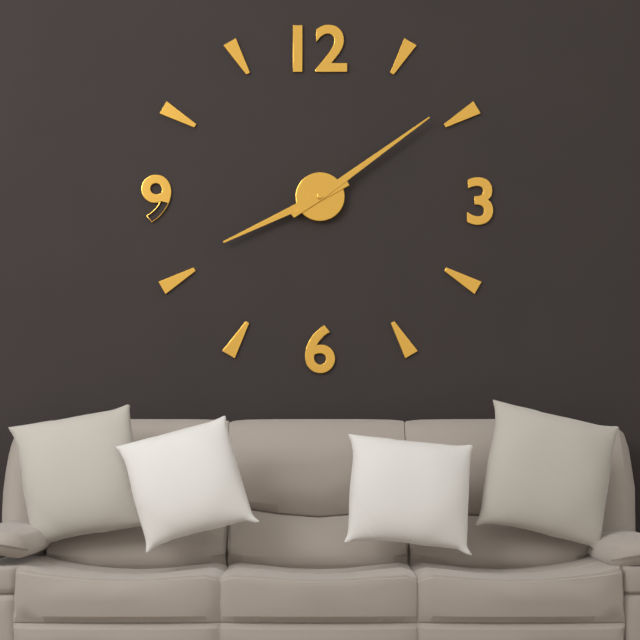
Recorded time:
{"hour": 8, "minute": 9}
